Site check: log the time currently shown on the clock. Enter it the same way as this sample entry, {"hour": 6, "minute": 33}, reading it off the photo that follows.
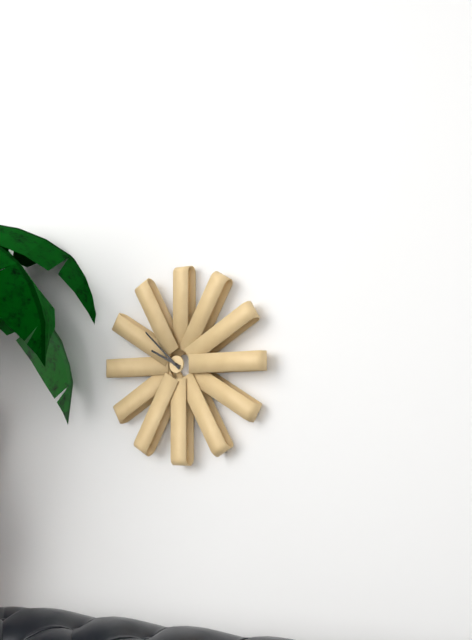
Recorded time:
{"hour": 9, "minute": 52}
